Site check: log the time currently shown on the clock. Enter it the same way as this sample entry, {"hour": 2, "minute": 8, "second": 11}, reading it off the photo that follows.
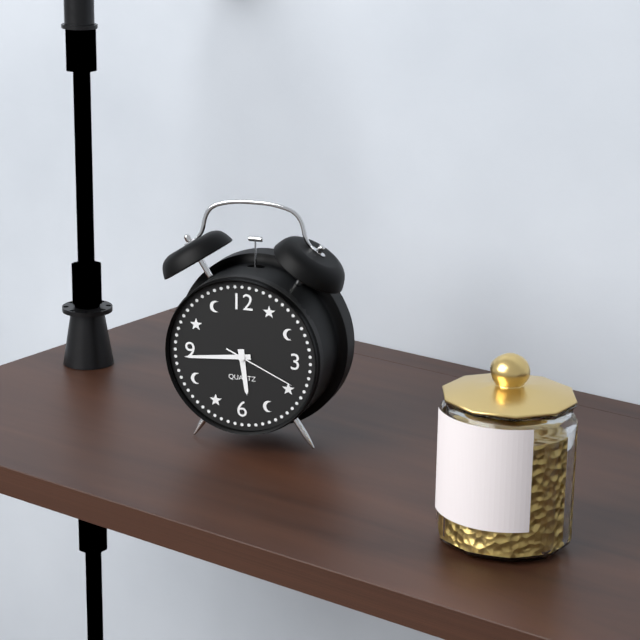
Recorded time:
{"hour": 5, "minute": 44, "second": 19}
